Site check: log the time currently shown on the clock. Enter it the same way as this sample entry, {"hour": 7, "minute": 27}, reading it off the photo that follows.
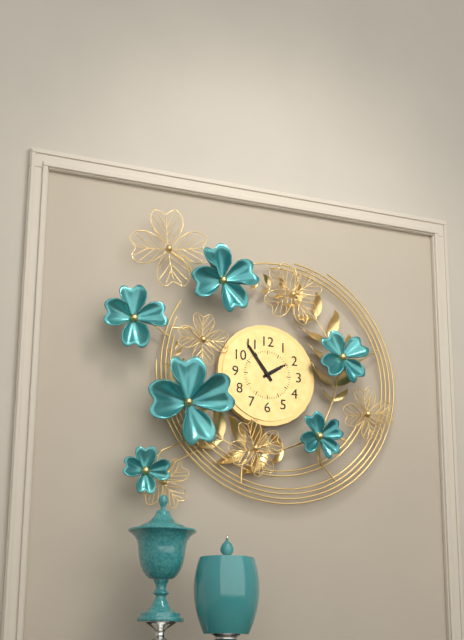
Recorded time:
{"hour": 1, "minute": 54}
